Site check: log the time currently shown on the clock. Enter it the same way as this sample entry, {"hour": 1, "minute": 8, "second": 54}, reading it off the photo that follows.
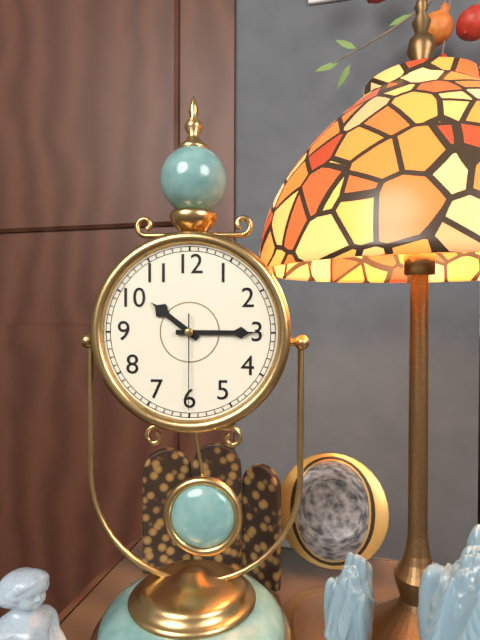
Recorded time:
{"hour": 10, "minute": 15, "second": 30}
